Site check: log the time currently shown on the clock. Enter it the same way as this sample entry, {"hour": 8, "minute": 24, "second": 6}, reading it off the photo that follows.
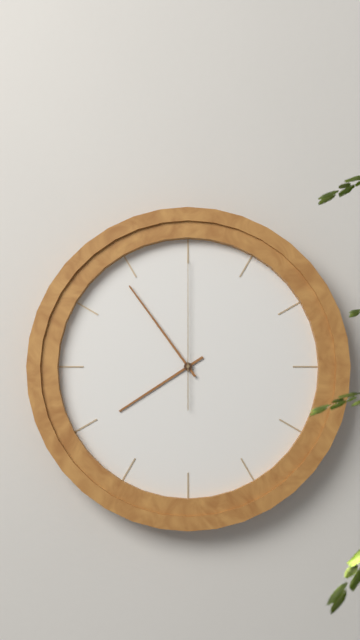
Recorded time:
{"hour": 7, "minute": 54, "second": 0}
